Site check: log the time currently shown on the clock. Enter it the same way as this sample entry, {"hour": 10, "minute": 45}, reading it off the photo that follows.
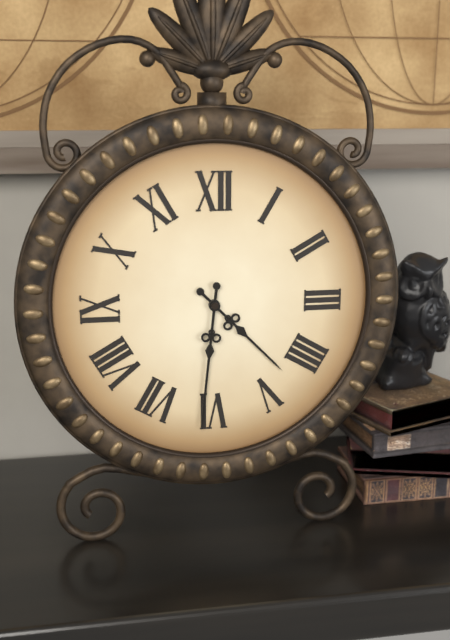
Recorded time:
{"hour": 4, "minute": 31}
